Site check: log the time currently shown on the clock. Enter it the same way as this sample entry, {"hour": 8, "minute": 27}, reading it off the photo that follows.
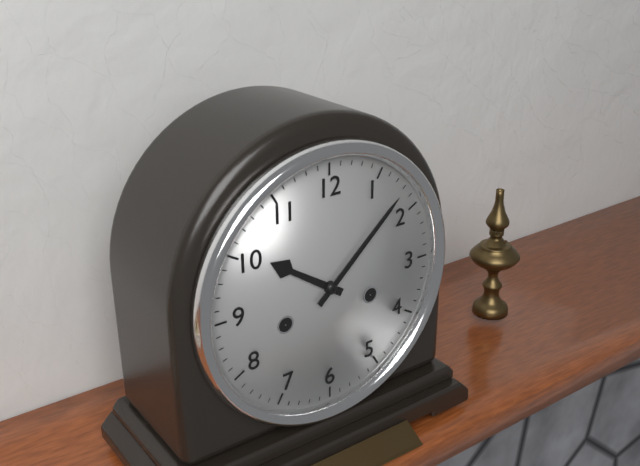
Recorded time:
{"hour": 10, "minute": 8}
